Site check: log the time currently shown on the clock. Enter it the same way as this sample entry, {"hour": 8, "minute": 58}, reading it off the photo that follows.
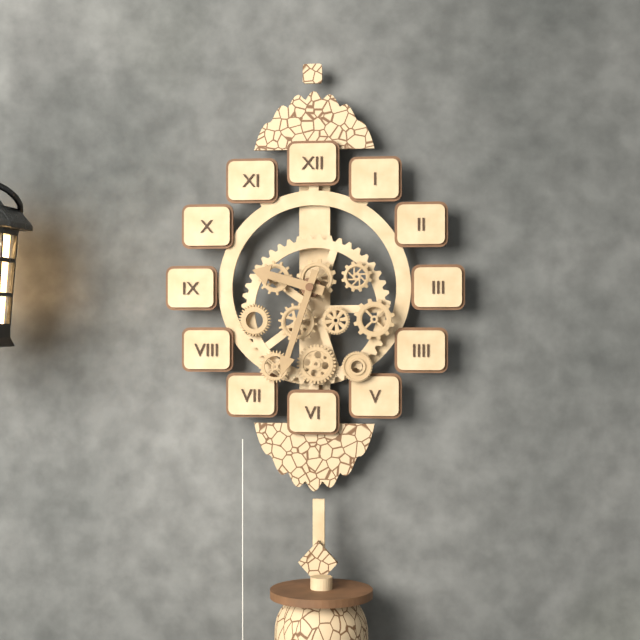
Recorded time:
{"hour": 9, "minute": 33}
